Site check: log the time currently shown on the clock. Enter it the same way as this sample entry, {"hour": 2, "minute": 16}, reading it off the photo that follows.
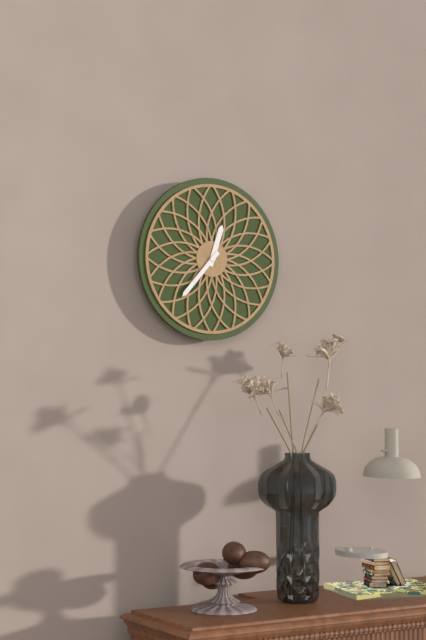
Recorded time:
{"hour": 12, "minute": 37}
